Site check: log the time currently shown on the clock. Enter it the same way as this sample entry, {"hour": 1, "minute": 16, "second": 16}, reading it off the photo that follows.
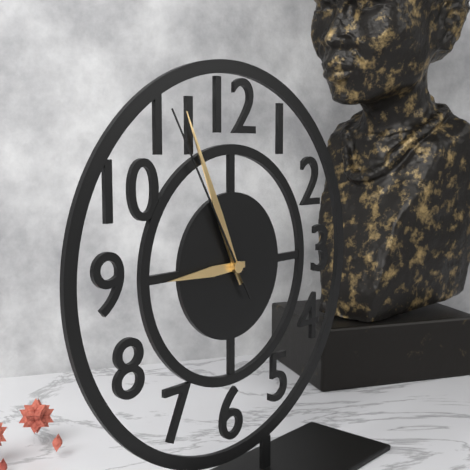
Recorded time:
{"hour": 8, "minute": 56, "second": 55}
